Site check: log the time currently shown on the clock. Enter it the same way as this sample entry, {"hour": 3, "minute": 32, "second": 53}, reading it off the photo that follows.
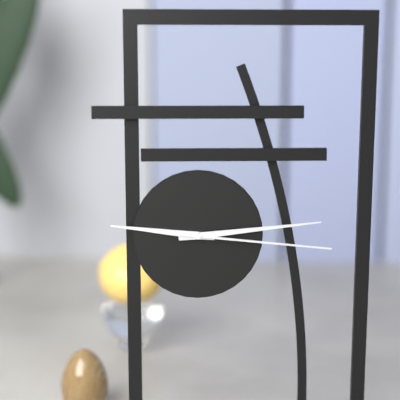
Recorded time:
{"hour": 9, "minute": 14, "second": 16}
